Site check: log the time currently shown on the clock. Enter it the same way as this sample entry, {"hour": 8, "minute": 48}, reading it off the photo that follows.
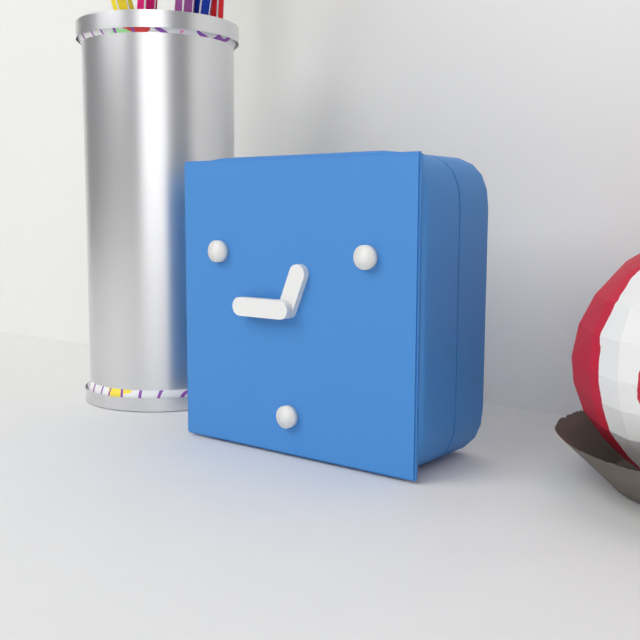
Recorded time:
{"hour": 12, "minute": 45}
